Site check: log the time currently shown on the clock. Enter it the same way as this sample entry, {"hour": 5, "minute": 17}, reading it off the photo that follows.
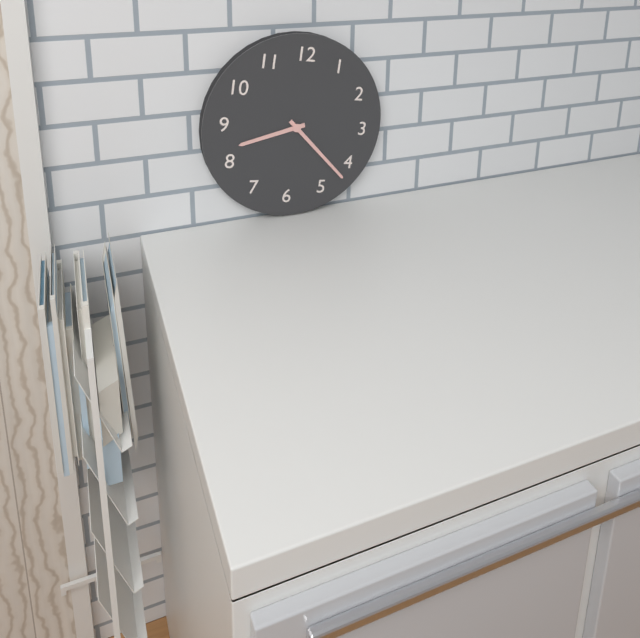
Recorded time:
{"hour": 8, "minute": 22}
